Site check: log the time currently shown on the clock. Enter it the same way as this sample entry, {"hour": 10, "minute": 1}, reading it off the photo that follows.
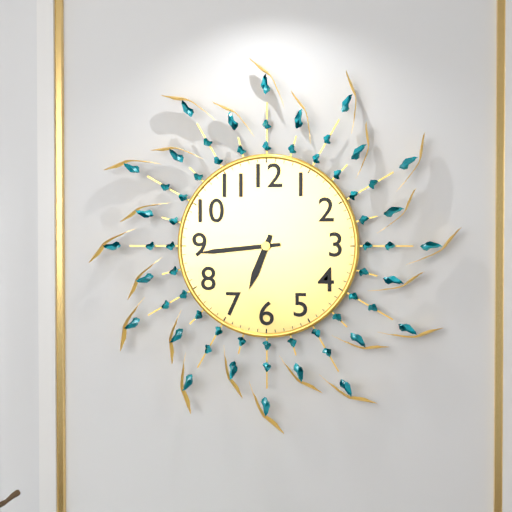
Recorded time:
{"hour": 6, "minute": 44}
